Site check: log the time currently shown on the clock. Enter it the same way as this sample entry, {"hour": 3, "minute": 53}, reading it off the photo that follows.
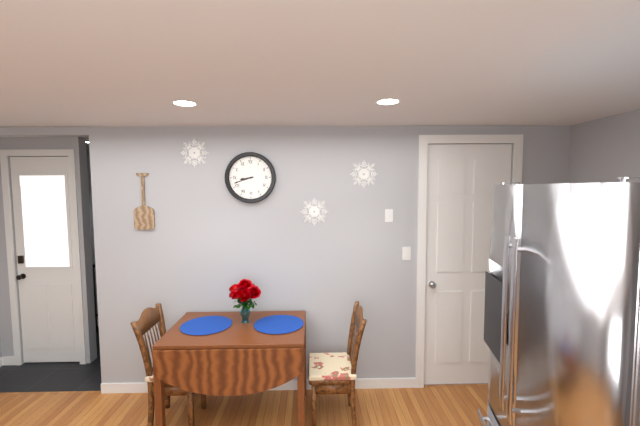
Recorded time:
{"hour": 8, "minute": 42}
